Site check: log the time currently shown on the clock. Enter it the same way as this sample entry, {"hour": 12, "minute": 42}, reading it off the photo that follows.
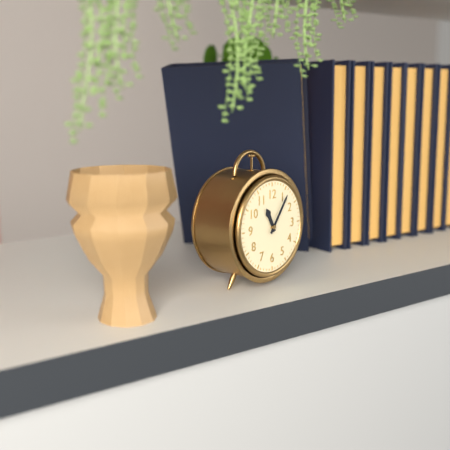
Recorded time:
{"hour": 11, "minute": 6}
